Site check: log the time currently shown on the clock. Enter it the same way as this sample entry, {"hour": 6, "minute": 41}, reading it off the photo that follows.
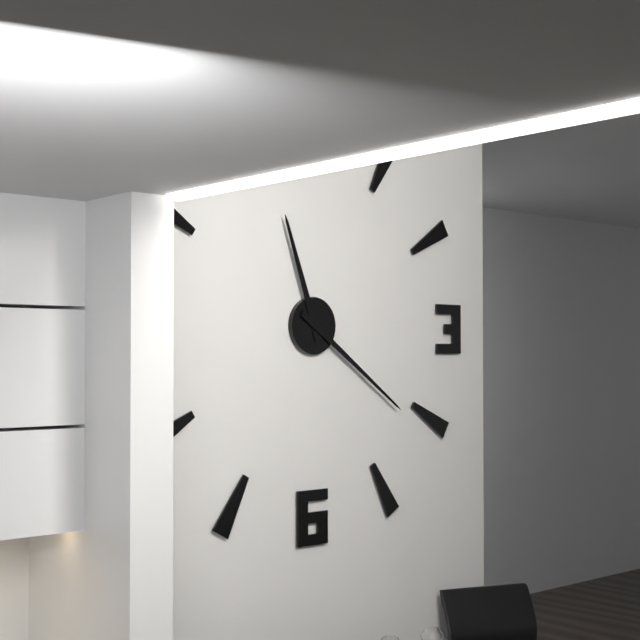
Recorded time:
{"hour": 11, "minute": 21}
